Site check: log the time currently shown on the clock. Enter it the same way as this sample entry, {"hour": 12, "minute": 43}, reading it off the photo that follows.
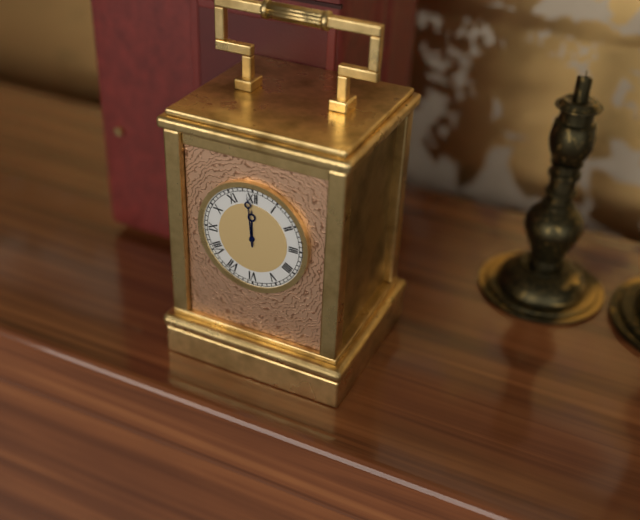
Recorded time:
{"hour": 11, "minute": 59}
